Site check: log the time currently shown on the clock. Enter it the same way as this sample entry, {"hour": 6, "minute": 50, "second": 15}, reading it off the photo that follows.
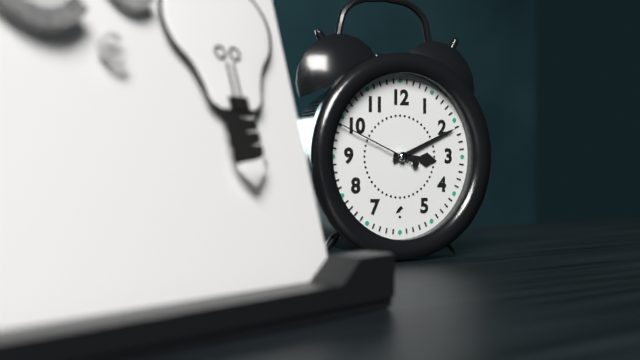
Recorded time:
{"hour": 3, "minute": 11, "second": 49}
